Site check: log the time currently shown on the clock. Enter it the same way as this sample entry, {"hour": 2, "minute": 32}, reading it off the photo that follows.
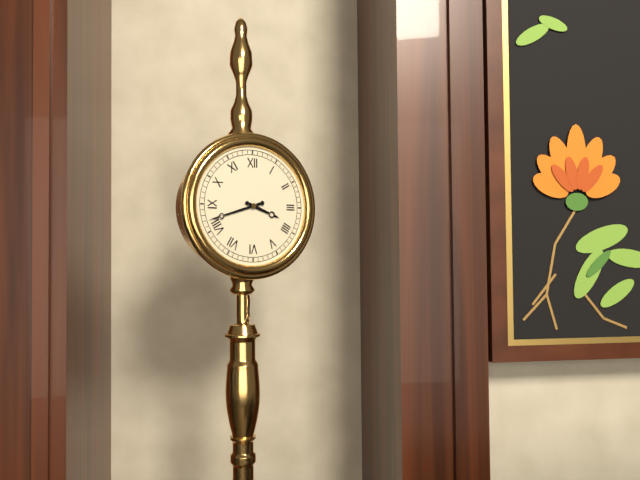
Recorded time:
{"hour": 3, "minute": 42}
